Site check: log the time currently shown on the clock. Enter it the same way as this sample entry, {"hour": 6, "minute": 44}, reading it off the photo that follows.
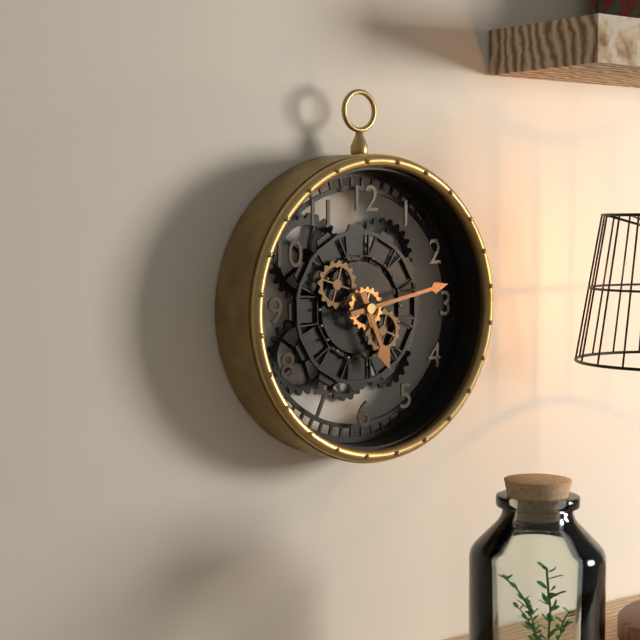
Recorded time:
{"hour": 5, "minute": 13}
